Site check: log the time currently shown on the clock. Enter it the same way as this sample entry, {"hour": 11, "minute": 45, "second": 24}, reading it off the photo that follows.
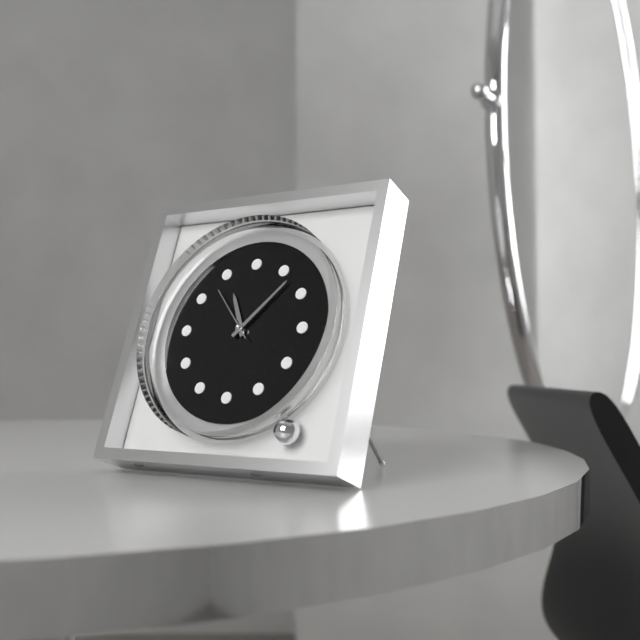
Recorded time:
{"hour": 11, "minute": 7, "second": 53}
